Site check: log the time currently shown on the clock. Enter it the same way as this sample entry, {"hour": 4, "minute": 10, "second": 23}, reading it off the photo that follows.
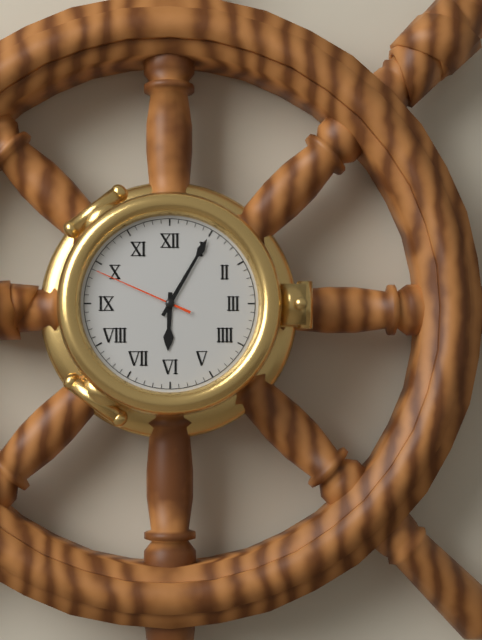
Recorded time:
{"hour": 6, "minute": 5, "second": 49}
